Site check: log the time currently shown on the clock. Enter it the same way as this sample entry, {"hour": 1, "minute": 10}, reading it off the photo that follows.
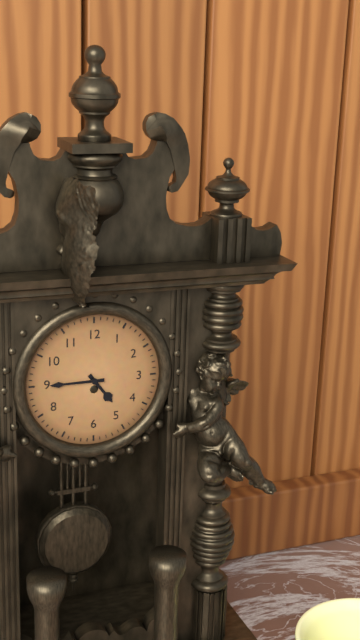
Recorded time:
{"hour": 4, "minute": 45}
